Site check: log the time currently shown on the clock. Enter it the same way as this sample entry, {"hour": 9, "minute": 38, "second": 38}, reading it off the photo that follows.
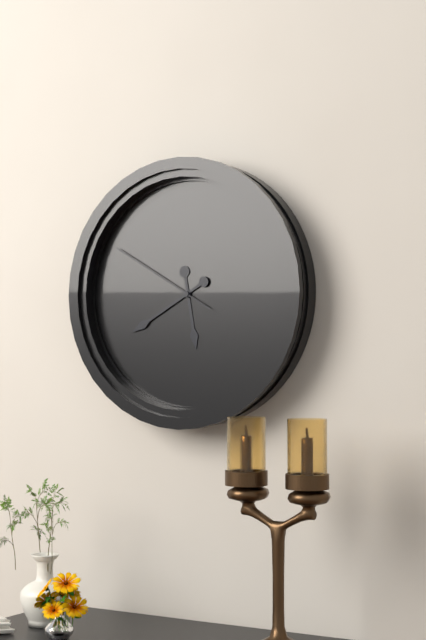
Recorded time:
{"hour": 5, "minute": 40, "second": 50}
